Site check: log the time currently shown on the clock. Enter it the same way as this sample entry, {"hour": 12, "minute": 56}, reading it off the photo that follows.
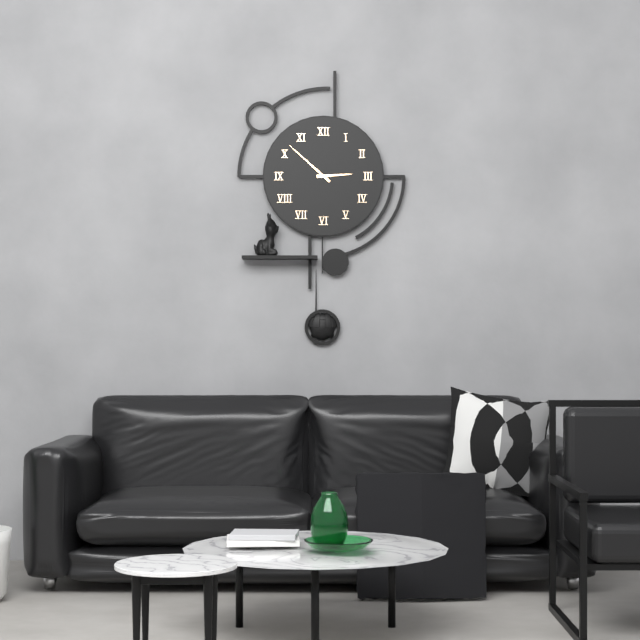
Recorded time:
{"hour": 2, "minute": 52}
